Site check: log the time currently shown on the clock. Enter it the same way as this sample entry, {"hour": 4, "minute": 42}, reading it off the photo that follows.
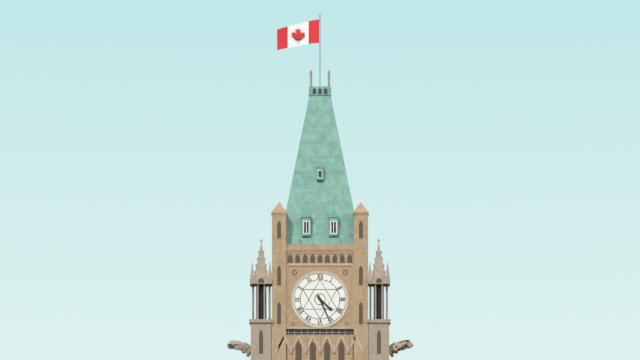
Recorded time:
{"hour": 4, "minute": 26}
